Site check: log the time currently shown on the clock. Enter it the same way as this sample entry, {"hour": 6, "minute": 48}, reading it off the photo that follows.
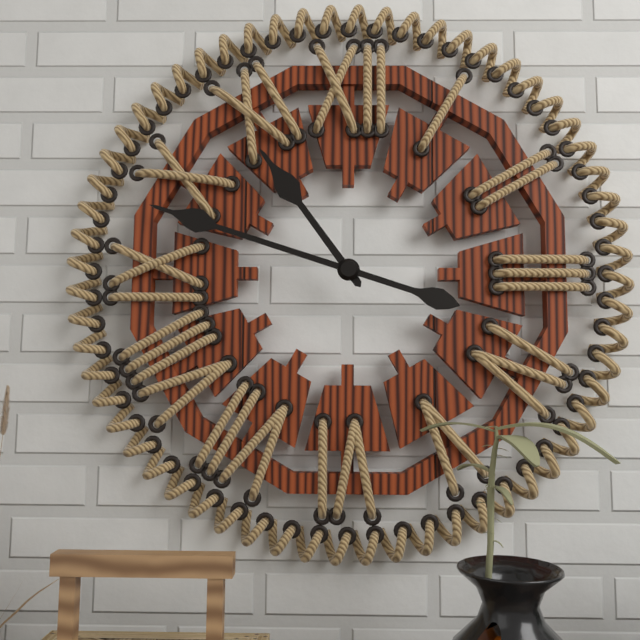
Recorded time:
{"hour": 10, "minute": 48}
